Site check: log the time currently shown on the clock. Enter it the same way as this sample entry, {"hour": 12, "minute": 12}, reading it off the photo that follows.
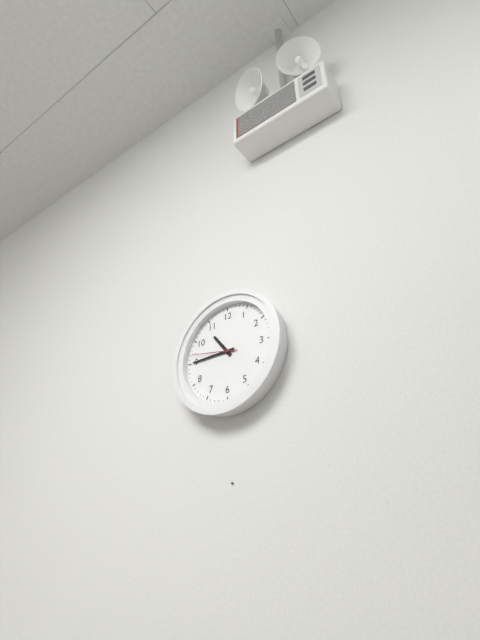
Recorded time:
{"hour": 10, "minute": 45}
